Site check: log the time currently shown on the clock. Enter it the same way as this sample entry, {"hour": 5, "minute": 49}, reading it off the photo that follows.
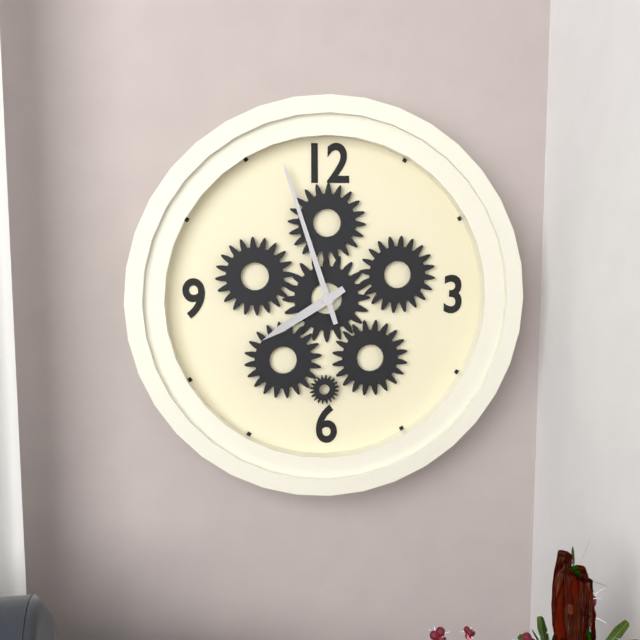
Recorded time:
{"hour": 7, "minute": 57}
